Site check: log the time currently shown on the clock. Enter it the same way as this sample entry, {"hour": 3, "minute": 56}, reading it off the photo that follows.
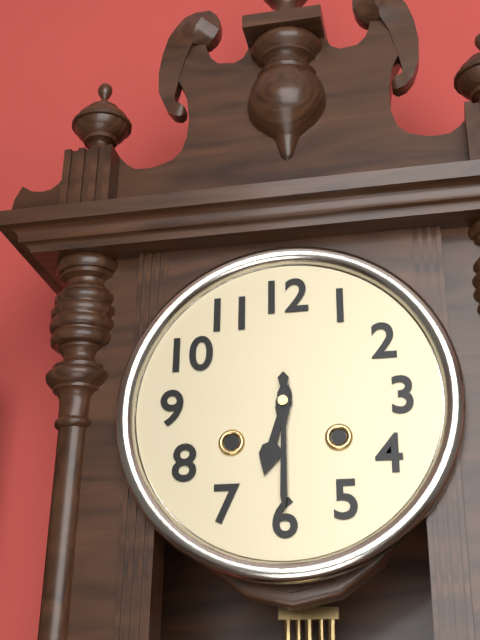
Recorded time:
{"hour": 6, "minute": 30}
